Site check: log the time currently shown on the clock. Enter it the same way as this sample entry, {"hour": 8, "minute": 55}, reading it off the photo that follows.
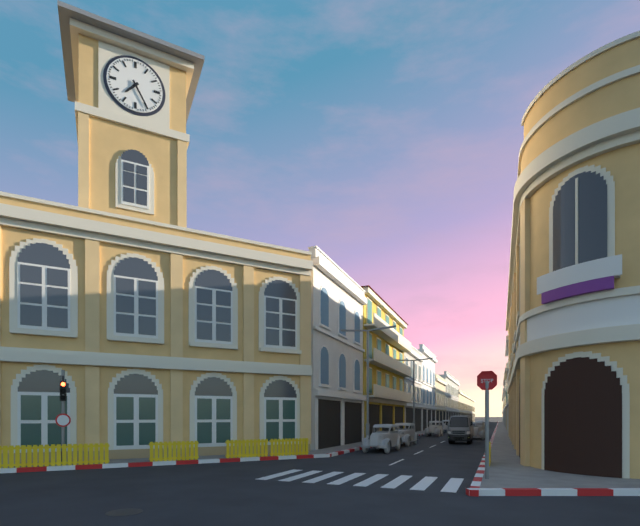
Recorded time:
{"hour": 7, "minute": 25}
